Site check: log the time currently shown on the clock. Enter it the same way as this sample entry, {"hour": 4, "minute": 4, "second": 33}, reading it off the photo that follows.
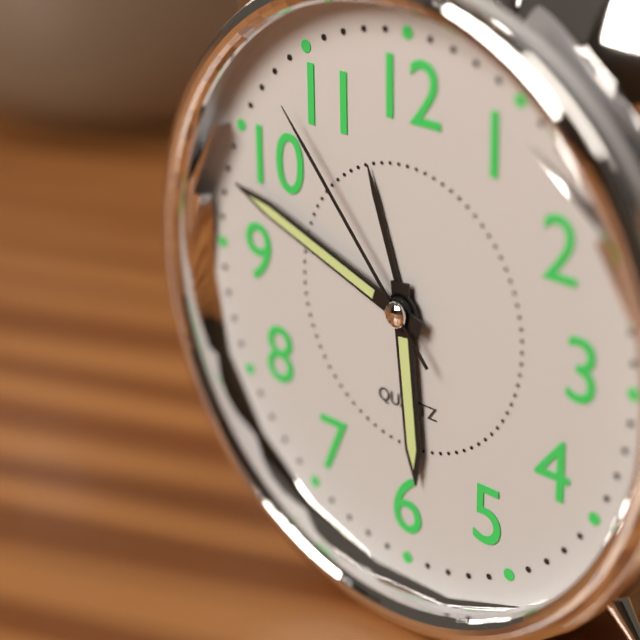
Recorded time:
{"hour": 5, "minute": 48, "second": 53}
